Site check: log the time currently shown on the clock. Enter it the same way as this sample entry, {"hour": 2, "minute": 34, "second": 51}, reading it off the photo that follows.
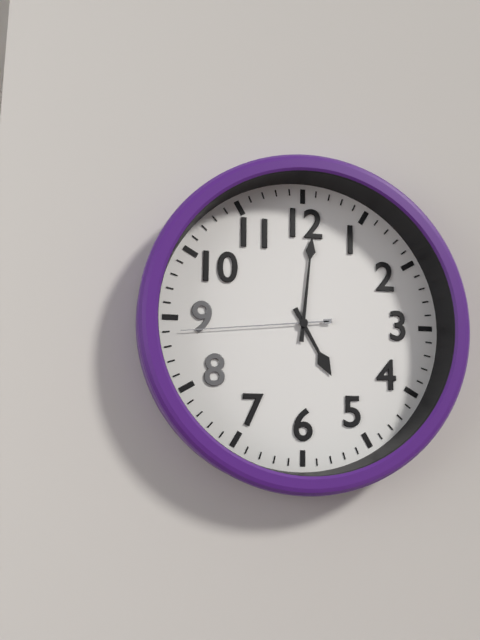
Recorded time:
{"hour": 5, "minute": 1, "second": 44}
